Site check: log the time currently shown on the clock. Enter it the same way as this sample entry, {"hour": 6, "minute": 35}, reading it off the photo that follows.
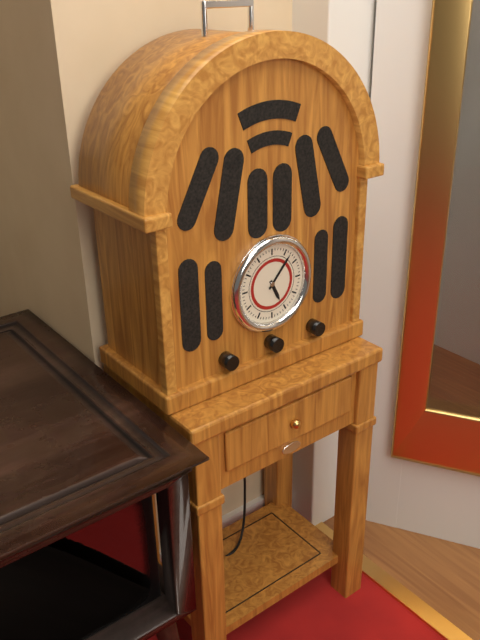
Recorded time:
{"hour": 5, "minute": 7}
